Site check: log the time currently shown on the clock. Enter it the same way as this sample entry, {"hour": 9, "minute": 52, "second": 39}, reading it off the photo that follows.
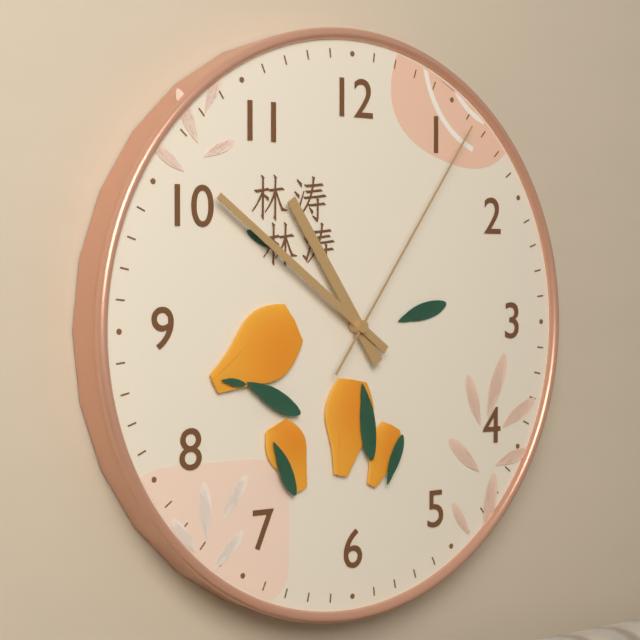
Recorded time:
{"hour": 10, "minute": 51, "second": 6}
